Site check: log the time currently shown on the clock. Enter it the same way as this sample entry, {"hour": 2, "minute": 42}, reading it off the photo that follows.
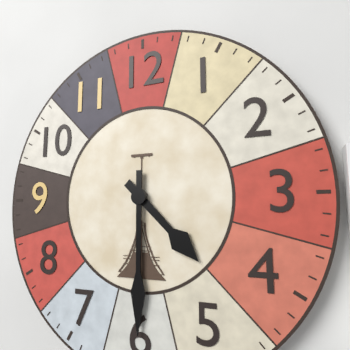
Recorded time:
{"hour": 4, "minute": 30}
